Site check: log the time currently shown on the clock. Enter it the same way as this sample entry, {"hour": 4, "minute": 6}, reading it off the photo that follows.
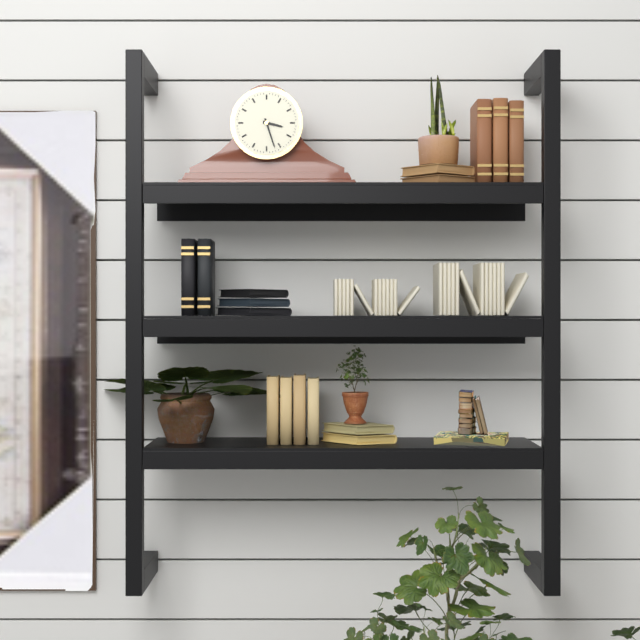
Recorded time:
{"hour": 3, "minute": 27}
